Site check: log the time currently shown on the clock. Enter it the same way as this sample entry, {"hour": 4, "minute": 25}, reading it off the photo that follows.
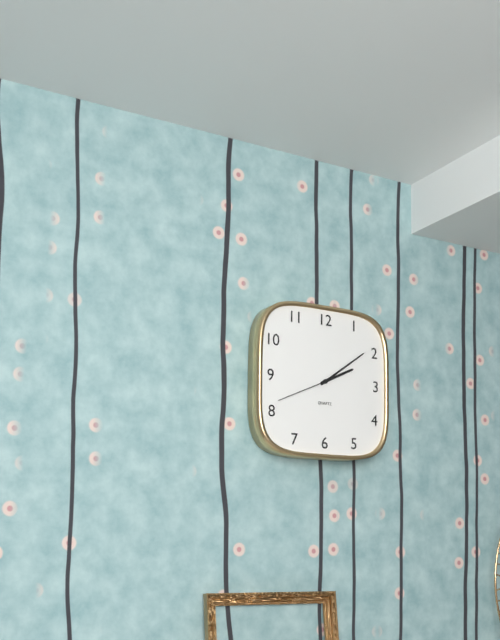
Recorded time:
{"hour": 2, "minute": 9}
